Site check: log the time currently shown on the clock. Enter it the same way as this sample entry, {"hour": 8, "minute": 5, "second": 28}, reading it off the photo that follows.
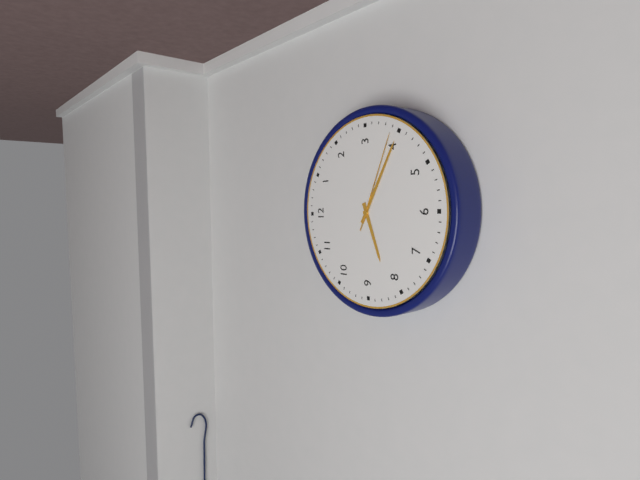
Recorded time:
{"hour": 8, "minute": 20, "second": 19}
